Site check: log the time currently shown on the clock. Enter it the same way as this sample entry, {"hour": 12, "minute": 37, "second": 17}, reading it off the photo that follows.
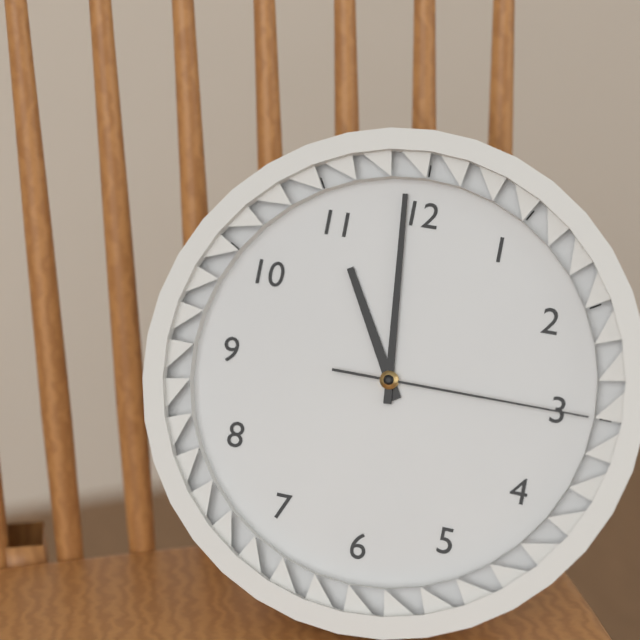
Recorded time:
{"hour": 10, "minute": 59, "second": 15}
